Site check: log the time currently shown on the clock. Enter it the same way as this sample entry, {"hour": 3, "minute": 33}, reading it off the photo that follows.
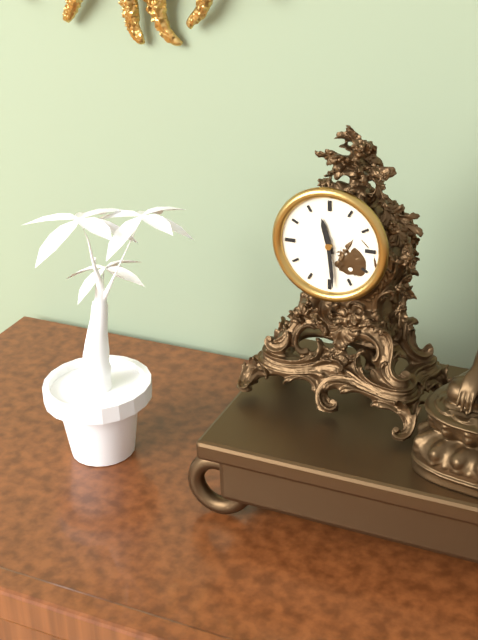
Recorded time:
{"hour": 11, "minute": 29}
